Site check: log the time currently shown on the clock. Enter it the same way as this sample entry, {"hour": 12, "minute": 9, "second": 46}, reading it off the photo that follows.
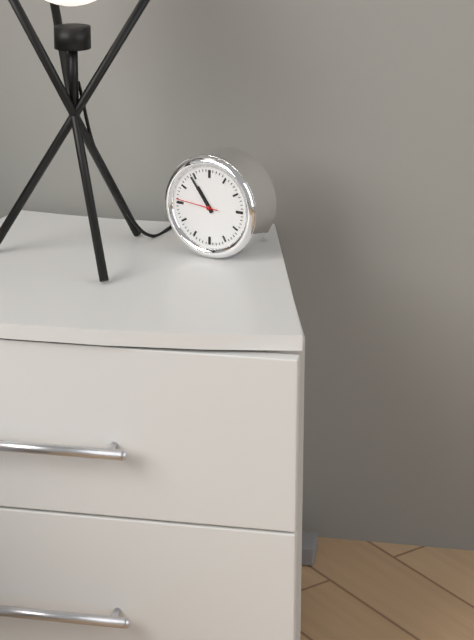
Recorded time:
{"hour": 10, "minute": 54, "second": 46}
